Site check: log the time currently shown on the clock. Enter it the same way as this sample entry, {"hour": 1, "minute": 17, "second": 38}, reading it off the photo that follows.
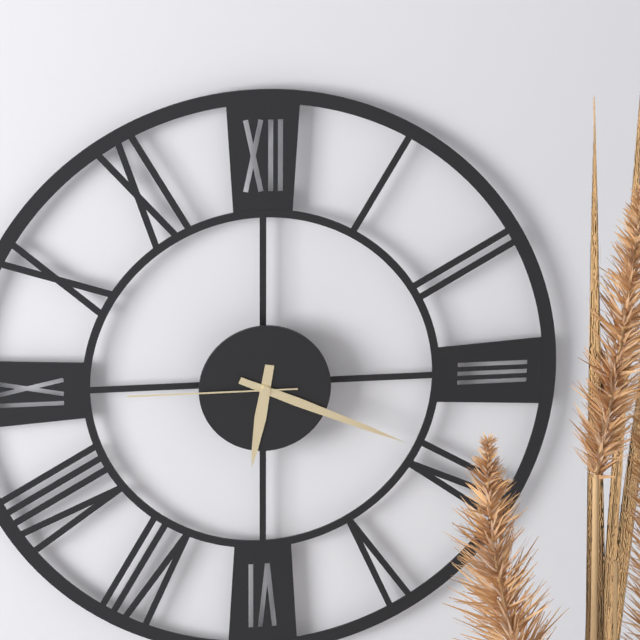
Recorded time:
{"hour": 6, "minute": 19, "second": 45}
